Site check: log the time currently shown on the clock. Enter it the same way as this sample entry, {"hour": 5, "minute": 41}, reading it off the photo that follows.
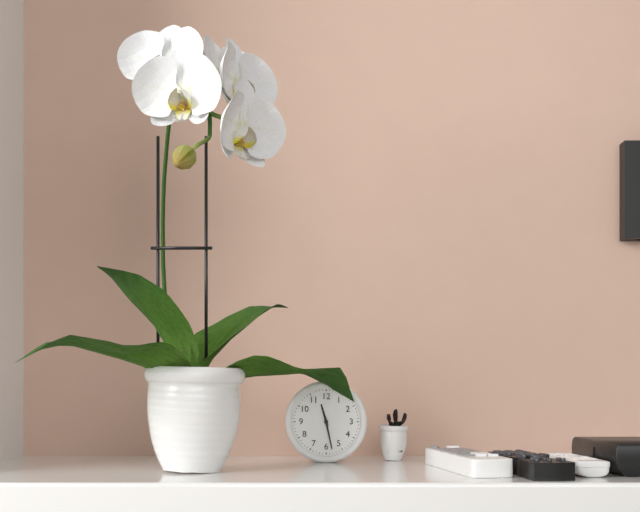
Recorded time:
{"hour": 11, "minute": 28}
